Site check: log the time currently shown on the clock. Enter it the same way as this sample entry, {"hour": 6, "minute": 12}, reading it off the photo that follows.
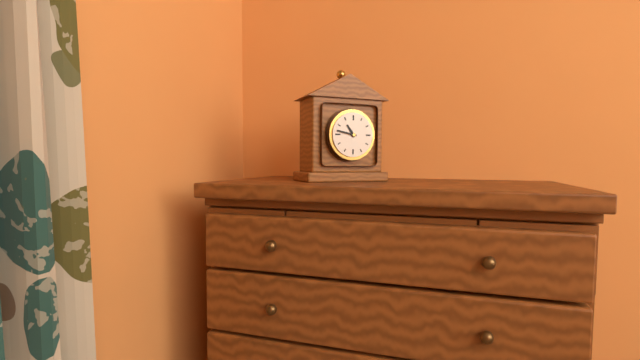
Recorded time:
{"hour": 10, "minute": 47}
